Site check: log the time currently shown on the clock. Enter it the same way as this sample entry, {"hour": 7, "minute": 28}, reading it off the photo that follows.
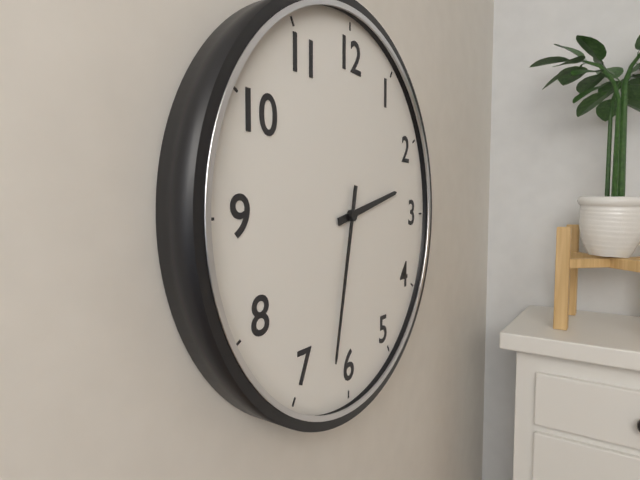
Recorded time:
{"hour": 2, "minute": 32}
